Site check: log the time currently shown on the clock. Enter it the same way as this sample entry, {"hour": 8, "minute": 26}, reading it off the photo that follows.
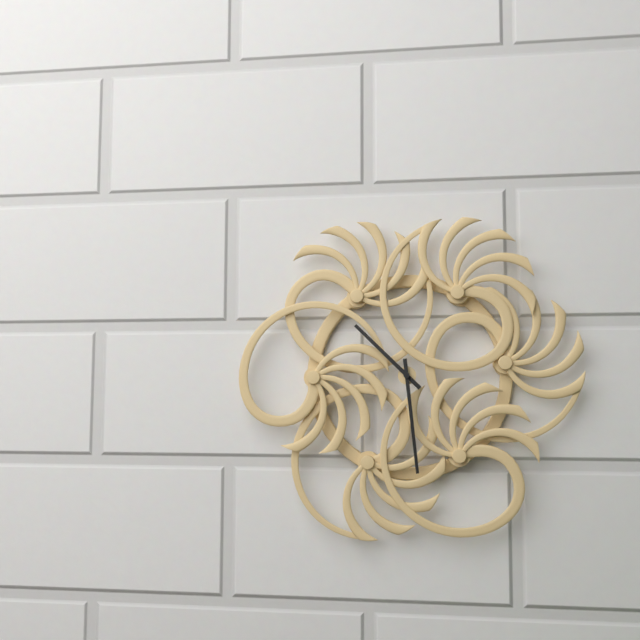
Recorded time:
{"hour": 10, "minute": 29}
